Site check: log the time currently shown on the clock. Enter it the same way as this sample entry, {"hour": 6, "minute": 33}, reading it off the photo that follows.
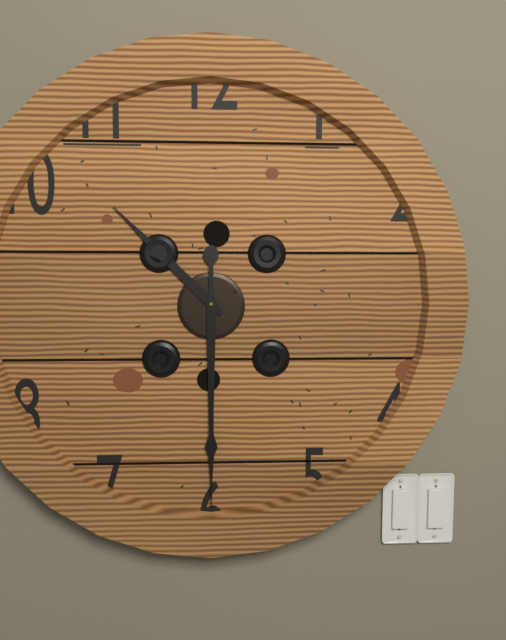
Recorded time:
{"hour": 10, "minute": 30}
